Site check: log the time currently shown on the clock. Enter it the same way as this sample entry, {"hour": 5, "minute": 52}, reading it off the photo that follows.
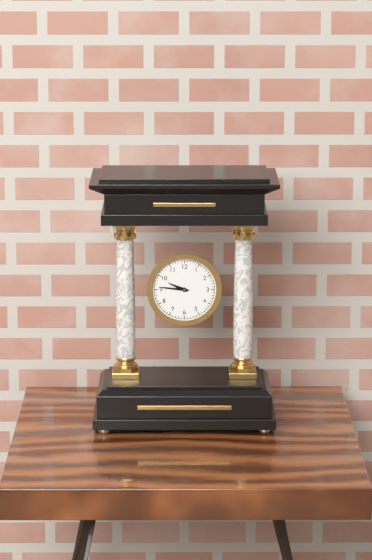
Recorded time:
{"hour": 9, "minute": 46}
